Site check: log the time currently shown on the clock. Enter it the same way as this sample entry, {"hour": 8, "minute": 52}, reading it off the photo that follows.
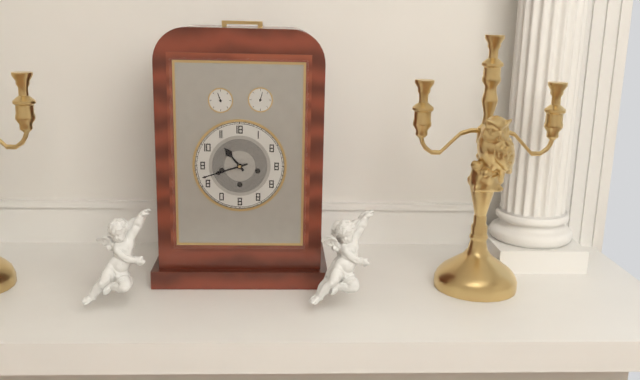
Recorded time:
{"hour": 10, "minute": 42}
